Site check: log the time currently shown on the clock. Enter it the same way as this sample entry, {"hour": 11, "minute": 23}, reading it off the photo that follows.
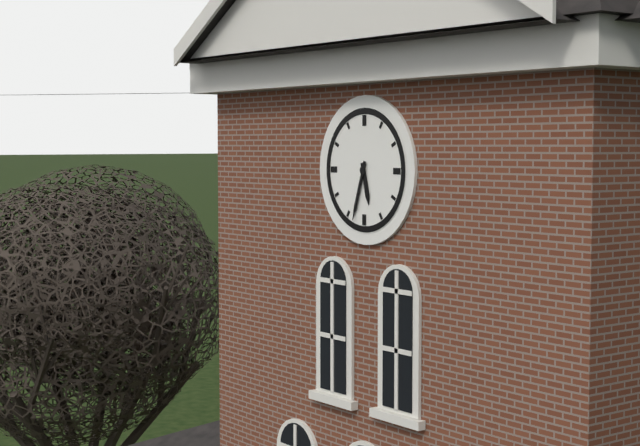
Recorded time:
{"hour": 5, "minute": 33}
